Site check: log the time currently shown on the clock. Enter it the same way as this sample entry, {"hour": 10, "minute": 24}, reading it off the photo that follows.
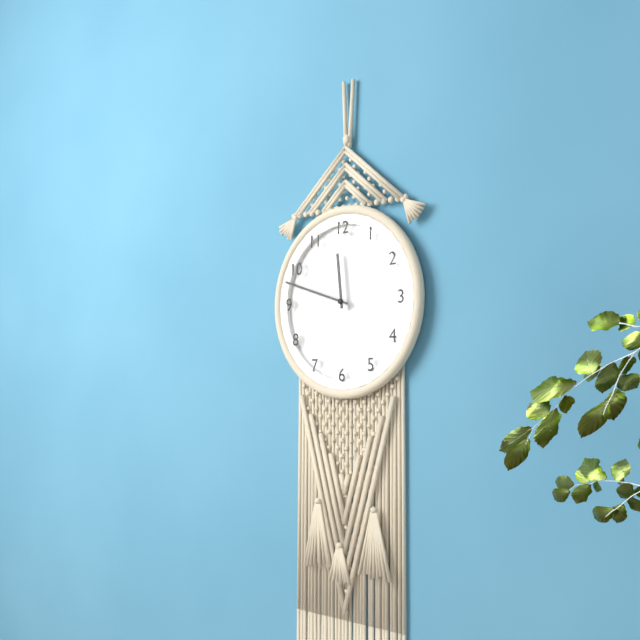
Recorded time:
{"hour": 11, "minute": 48}
